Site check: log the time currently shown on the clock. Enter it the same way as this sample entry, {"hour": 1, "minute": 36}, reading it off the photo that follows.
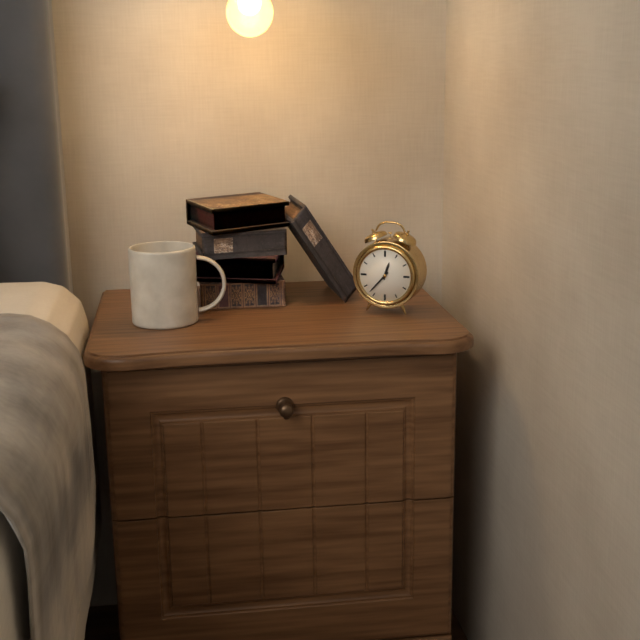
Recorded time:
{"hour": 12, "minute": 37}
